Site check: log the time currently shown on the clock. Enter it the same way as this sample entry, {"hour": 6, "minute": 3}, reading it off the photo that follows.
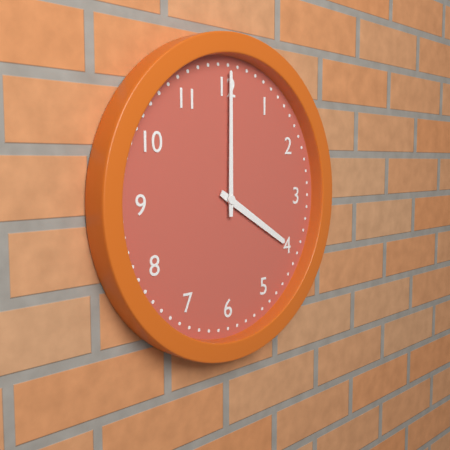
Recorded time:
{"hour": 4, "minute": 0}
